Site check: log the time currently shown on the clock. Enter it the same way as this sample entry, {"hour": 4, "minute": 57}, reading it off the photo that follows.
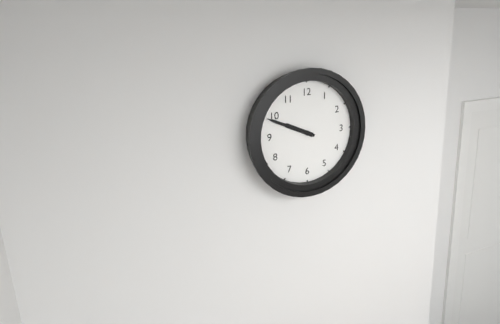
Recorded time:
{"hour": 9, "minute": 49}
